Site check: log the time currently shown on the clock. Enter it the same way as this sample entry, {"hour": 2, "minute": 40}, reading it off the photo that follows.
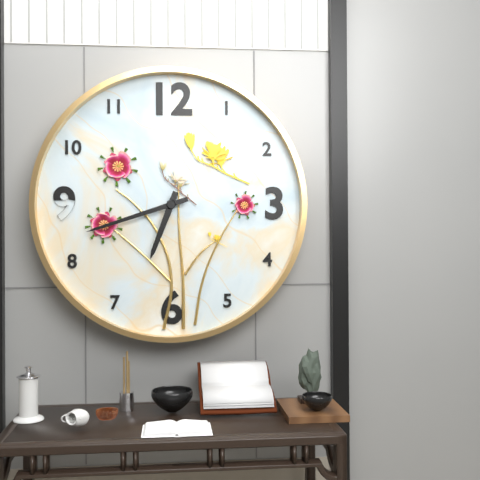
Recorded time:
{"hour": 6, "minute": 42}
